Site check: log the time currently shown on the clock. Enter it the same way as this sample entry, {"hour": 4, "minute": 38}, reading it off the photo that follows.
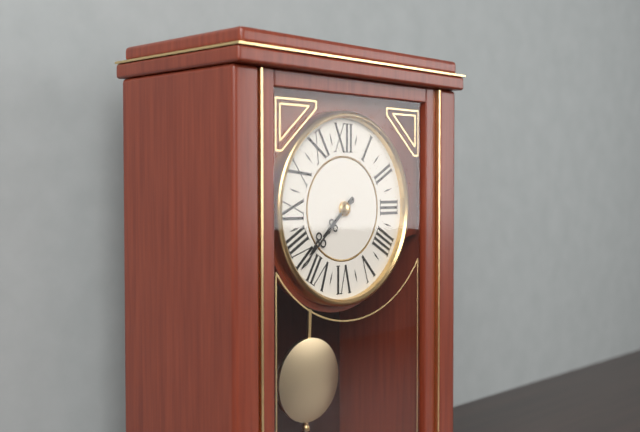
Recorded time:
{"hour": 7, "minute": 38}
